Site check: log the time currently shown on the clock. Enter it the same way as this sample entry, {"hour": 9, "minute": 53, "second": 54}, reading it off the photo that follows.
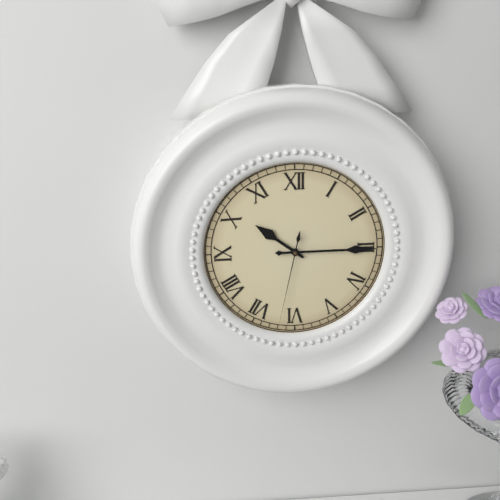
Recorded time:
{"hour": 10, "minute": 15, "second": 32}
